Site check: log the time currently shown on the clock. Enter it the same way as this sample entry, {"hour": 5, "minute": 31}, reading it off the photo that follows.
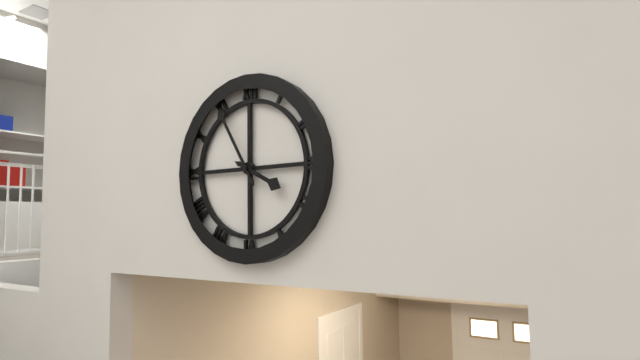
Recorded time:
{"hour": 3, "minute": 55}
